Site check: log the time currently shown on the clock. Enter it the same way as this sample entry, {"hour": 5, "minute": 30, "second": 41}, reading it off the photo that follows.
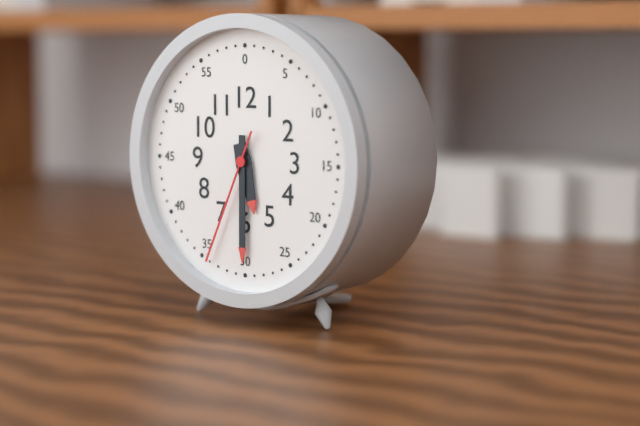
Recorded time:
{"hour": 5, "minute": 30, "second": 34}
